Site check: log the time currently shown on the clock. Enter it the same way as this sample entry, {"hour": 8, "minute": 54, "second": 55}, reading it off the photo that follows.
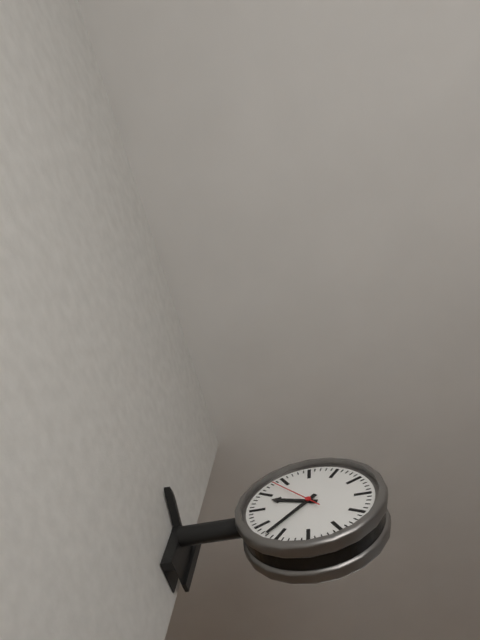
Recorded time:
{"hour": 9, "minute": 37, "second": 53}
